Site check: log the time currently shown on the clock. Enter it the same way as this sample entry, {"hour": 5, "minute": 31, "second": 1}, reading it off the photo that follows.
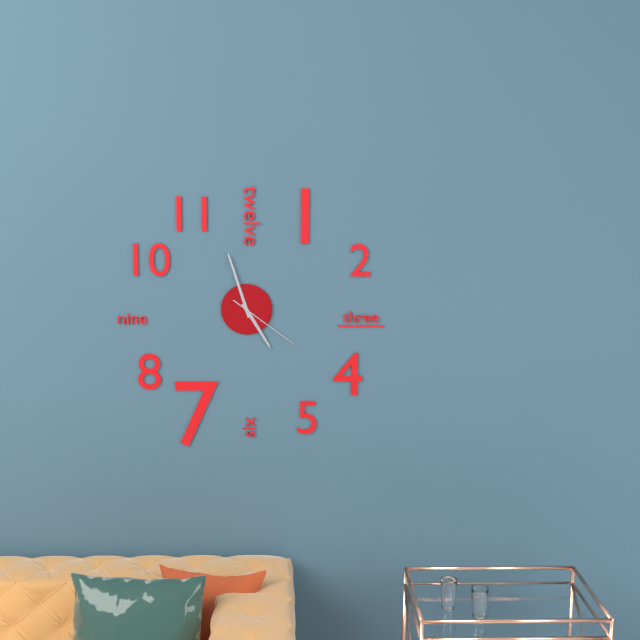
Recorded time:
{"hour": 4, "minute": 57, "second": 21}
